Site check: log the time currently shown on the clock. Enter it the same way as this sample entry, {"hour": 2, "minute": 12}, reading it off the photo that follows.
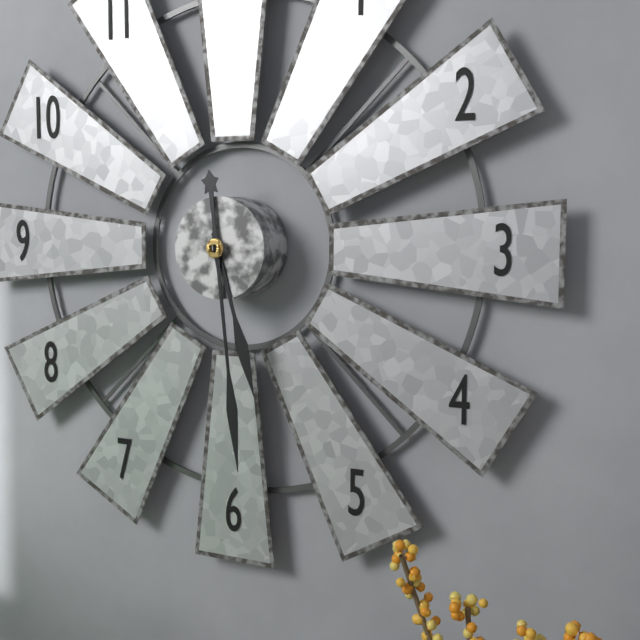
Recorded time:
{"hour": 5, "minute": 29}
